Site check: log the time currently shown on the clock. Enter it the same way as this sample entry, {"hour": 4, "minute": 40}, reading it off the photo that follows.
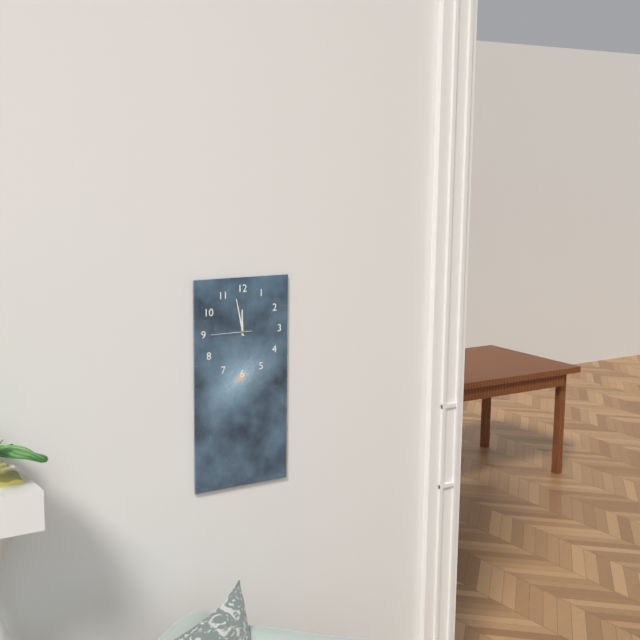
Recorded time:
{"hour": 11, "minute": 58}
